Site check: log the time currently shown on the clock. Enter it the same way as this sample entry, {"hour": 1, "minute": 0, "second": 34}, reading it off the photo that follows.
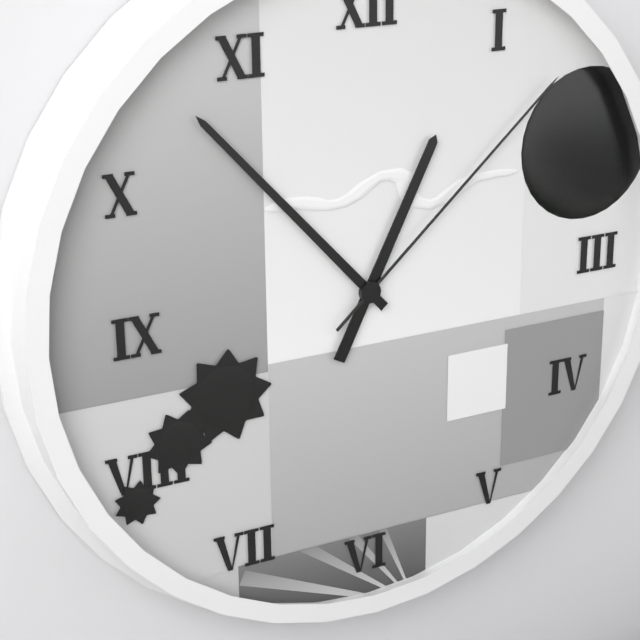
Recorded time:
{"hour": 12, "minute": 53, "second": 8}
